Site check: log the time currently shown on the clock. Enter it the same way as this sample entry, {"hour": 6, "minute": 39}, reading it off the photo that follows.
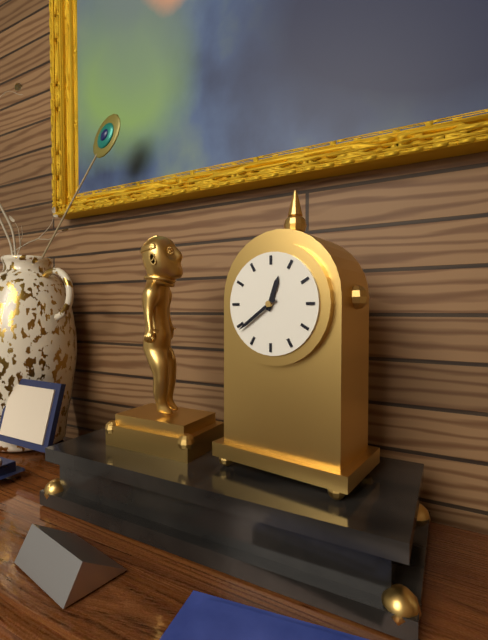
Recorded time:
{"hour": 12, "minute": 39}
